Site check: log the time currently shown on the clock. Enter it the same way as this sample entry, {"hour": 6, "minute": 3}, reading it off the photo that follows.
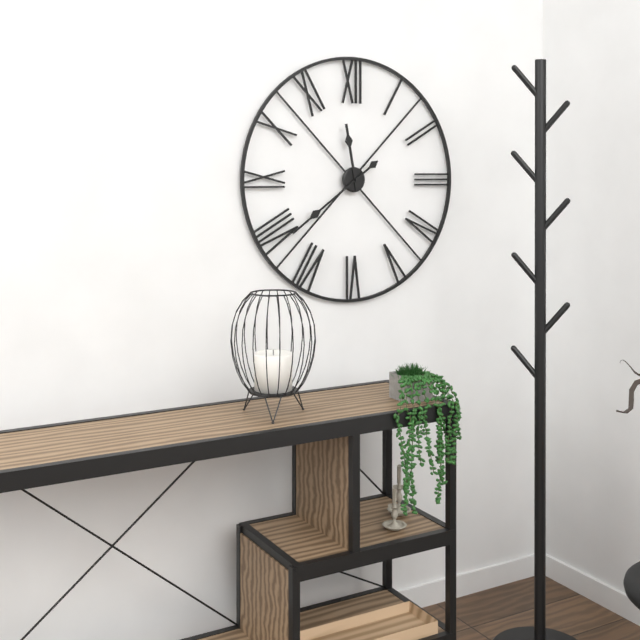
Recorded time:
{"hour": 11, "minute": 39}
